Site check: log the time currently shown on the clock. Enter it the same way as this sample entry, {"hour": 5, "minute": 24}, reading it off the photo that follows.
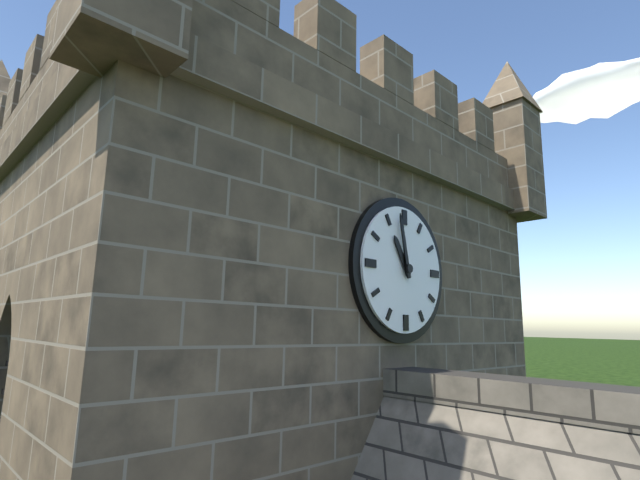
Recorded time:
{"hour": 10, "minute": 58}
